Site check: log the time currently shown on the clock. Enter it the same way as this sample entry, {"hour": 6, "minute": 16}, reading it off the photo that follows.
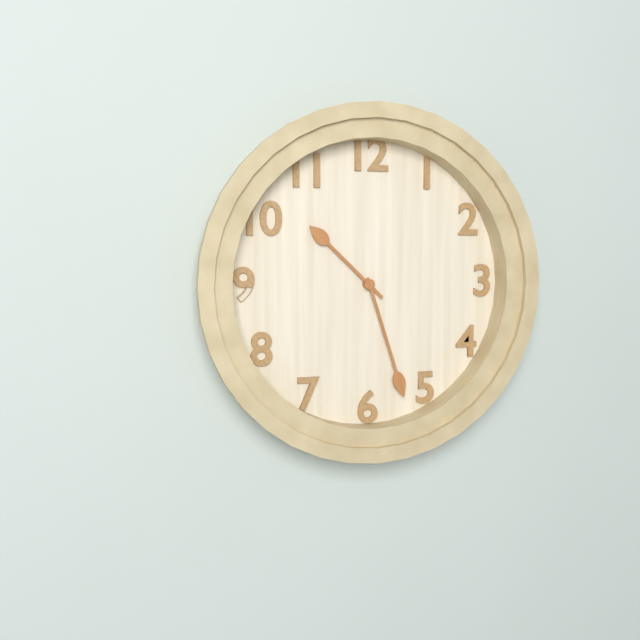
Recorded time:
{"hour": 10, "minute": 27}
